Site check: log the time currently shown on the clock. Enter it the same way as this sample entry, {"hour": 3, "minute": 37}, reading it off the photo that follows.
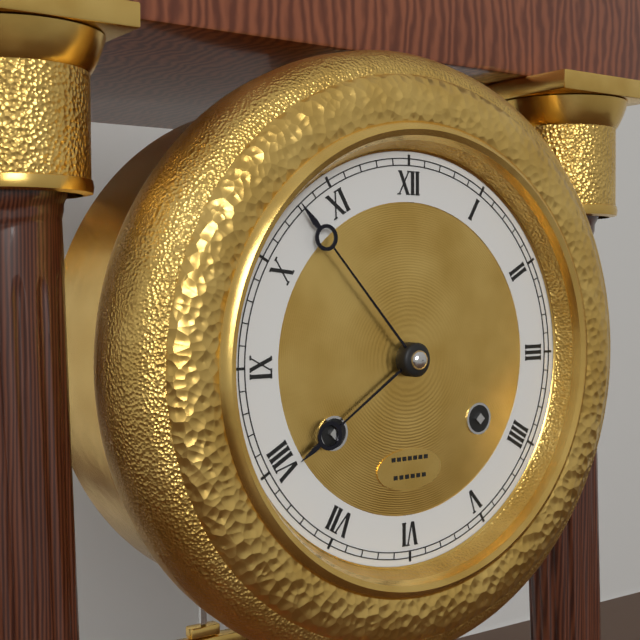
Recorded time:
{"hour": 7, "minute": 53}
